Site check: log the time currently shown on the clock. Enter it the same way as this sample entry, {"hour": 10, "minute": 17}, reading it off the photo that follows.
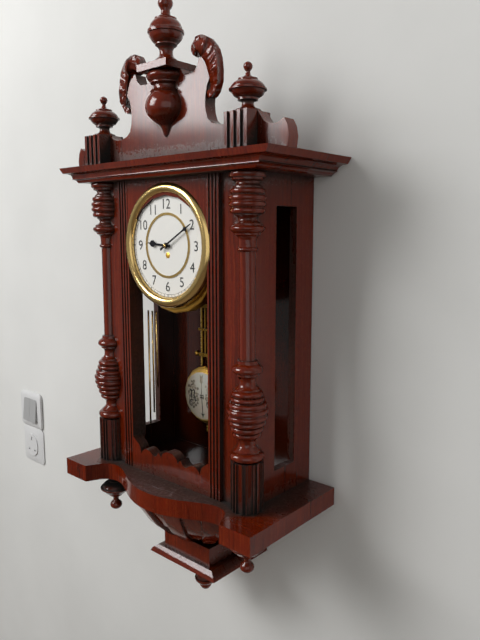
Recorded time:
{"hour": 9, "minute": 10}
